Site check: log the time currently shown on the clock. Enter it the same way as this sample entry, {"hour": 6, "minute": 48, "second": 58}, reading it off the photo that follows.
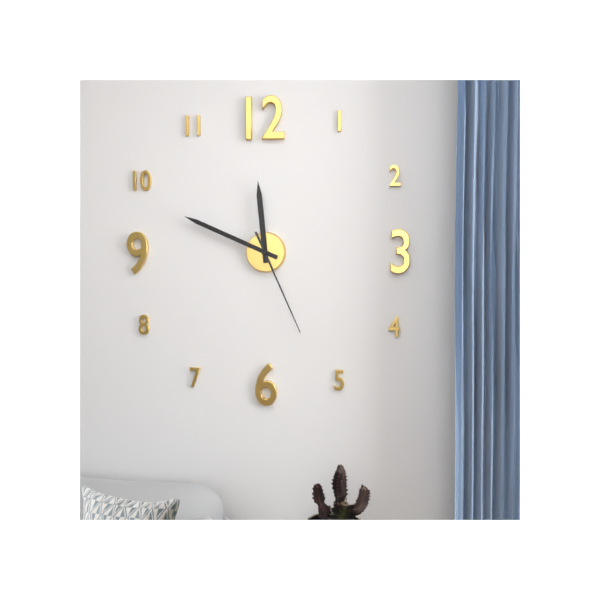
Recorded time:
{"hour": 11, "minute": 49, "second": 26}
